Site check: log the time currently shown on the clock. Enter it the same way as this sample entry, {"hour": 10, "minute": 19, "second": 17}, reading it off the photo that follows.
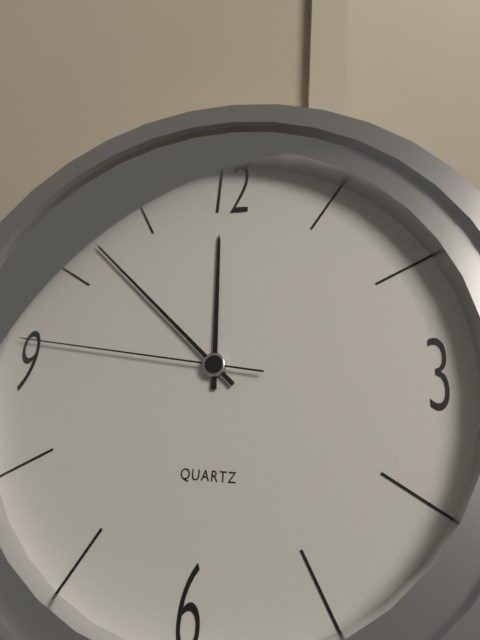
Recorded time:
{"hour": 11, "minute": 52, "second": 46}
